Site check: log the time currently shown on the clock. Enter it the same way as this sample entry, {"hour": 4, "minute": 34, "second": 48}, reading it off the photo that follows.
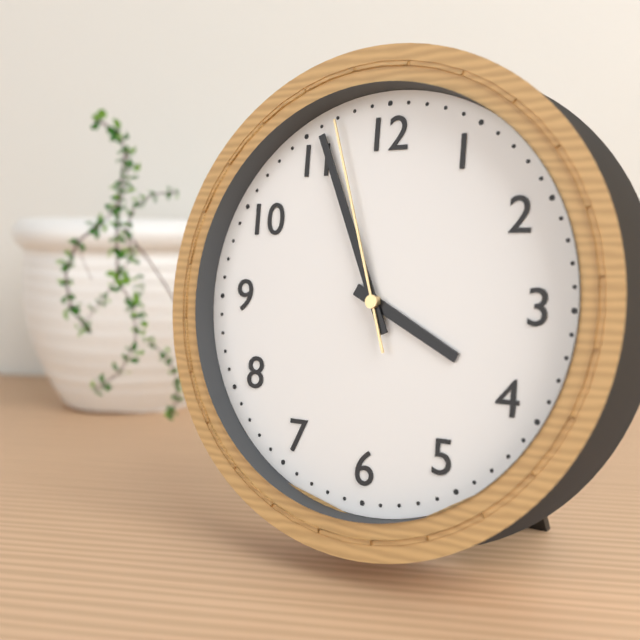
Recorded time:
{"hour": 3, "minute": 56, "second": 57}
